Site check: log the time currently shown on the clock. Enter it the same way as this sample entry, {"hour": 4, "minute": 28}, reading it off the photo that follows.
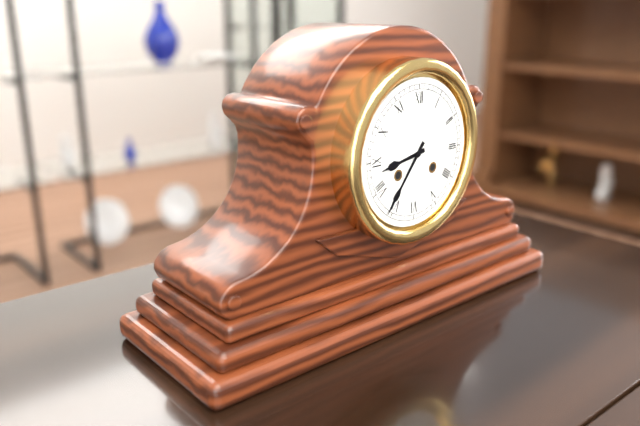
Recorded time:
{"hour": 8, "minute": 36}
